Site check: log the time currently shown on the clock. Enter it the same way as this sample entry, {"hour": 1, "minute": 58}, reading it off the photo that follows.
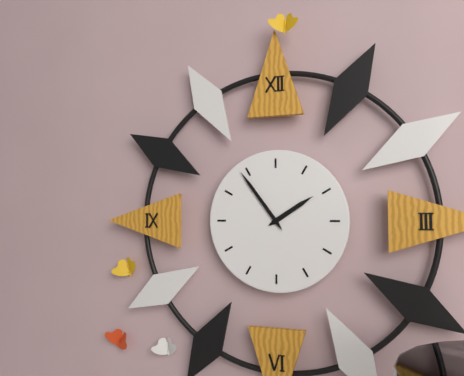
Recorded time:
{"hour": 1, "minute": 54}
